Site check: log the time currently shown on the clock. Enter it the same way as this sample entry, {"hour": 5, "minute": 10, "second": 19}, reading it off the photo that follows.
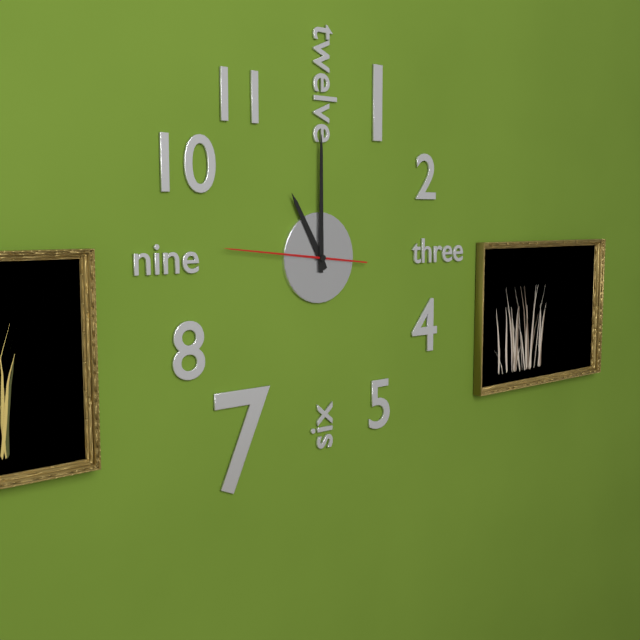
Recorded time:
{"hour": 11, "minute": 0, "second": 46}
